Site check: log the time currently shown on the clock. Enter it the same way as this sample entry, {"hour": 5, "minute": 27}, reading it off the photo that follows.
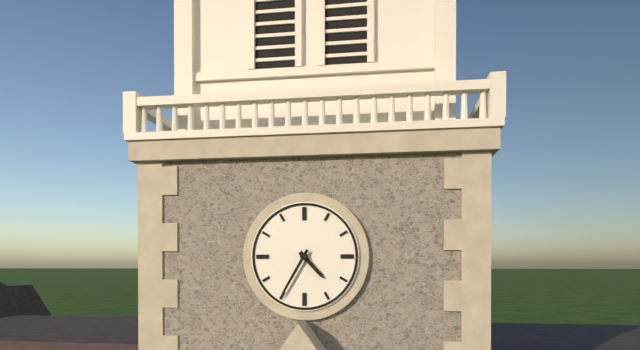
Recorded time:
{"hour": 4, "minute": 35}
